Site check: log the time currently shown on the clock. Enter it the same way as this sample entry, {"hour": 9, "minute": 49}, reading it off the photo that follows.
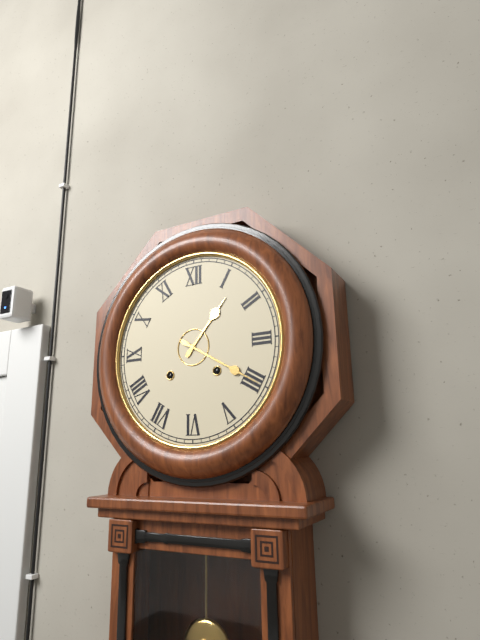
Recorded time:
{"hour": 1, "minute": 20}
